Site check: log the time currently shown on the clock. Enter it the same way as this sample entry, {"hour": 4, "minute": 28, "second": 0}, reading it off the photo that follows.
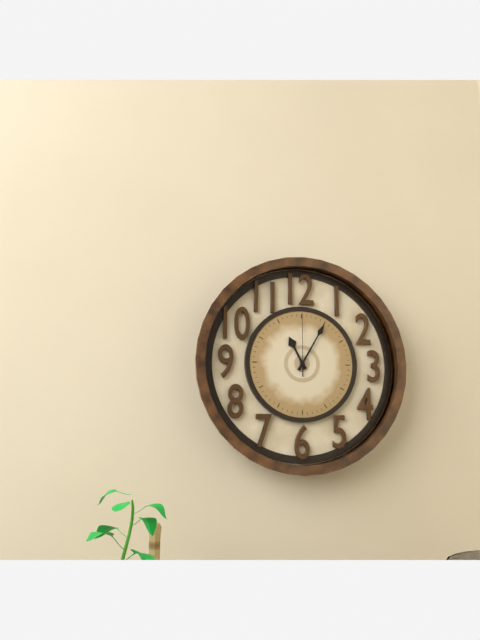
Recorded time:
{"hour": 11, "minute": 5, "second": 0}
